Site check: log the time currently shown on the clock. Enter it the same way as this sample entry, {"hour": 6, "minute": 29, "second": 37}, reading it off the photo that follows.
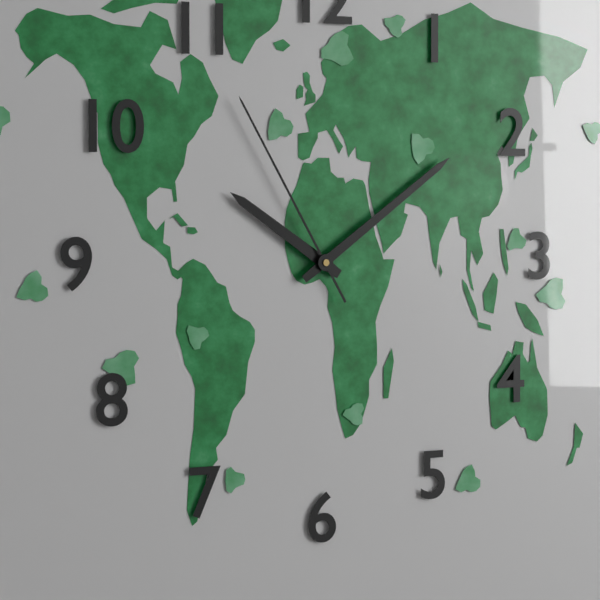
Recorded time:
{"hour": 10, "minute": 9, "second": 55}
